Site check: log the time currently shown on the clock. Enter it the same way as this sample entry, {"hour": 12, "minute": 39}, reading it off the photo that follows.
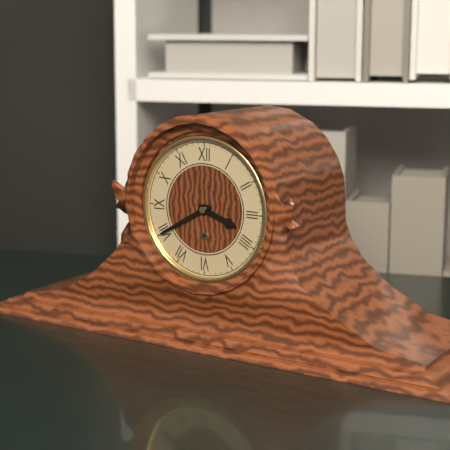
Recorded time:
{"hour": 3, "minute": 40}
